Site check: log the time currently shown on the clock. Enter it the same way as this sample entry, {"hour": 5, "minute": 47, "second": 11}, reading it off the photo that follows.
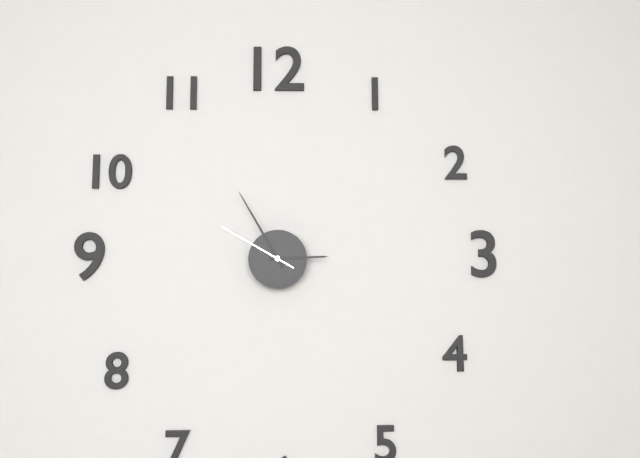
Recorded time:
{"hour": 2, "minute": 55, "second": 50}
